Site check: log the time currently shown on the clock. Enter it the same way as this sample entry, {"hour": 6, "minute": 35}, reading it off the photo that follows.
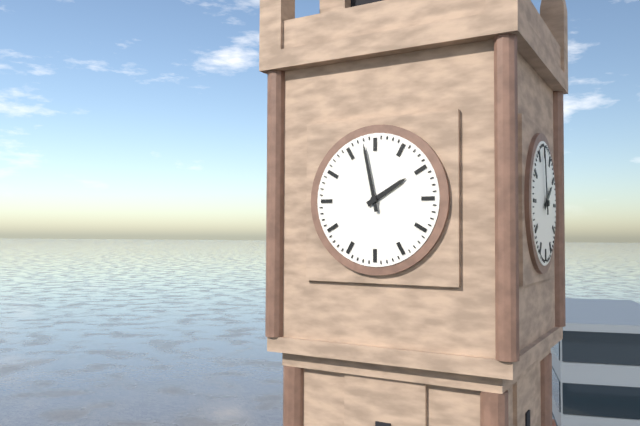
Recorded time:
{"hour": 1, "minute": 58}
